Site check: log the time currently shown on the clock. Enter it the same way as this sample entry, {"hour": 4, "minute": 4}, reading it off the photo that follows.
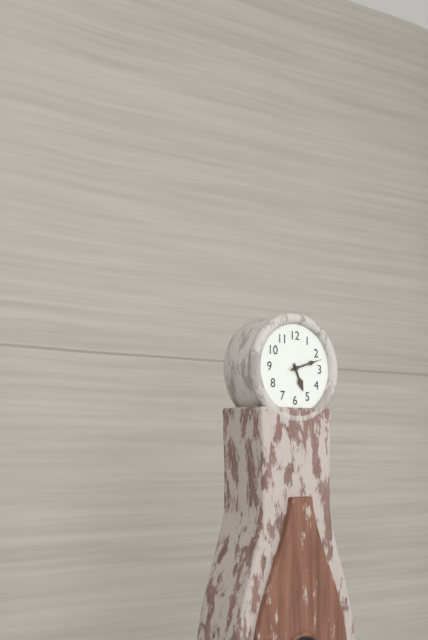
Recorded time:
{"hour": 5, "minute": 12}
